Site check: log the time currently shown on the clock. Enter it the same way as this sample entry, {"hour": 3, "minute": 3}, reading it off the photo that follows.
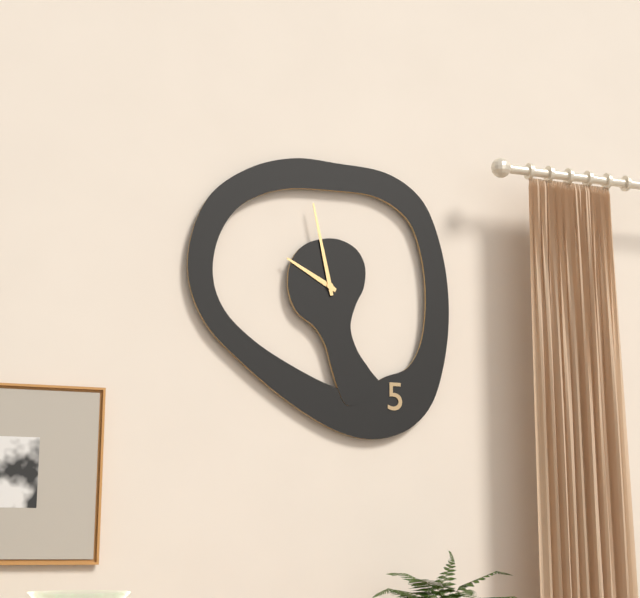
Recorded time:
{"hour": 9, "minute": 58}
